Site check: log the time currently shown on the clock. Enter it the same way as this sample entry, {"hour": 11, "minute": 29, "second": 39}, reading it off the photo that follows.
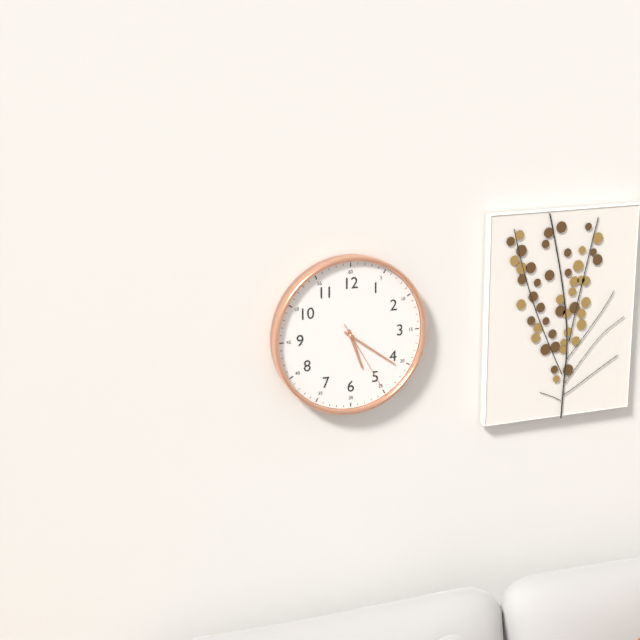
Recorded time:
{"hour": 5, "minute": 21, "second": 25}
